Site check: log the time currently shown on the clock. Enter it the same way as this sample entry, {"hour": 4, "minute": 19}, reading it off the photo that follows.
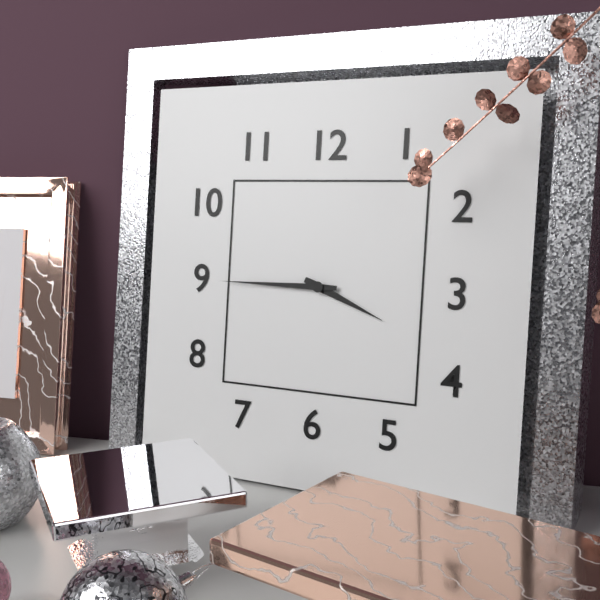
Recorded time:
{"hour": 3, "minute": 45}
